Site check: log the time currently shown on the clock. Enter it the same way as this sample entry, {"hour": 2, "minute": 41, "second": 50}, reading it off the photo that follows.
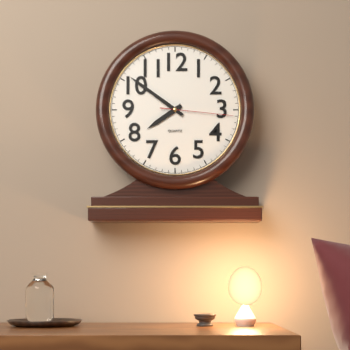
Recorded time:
{"hour": 7, "minute": 51, "second": 16}
